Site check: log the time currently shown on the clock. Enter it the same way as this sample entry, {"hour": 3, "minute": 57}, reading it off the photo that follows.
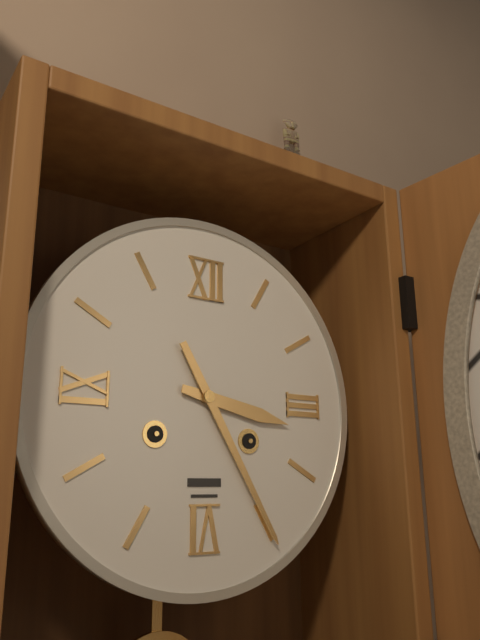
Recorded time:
{"hour": 3, "minute": 25}
